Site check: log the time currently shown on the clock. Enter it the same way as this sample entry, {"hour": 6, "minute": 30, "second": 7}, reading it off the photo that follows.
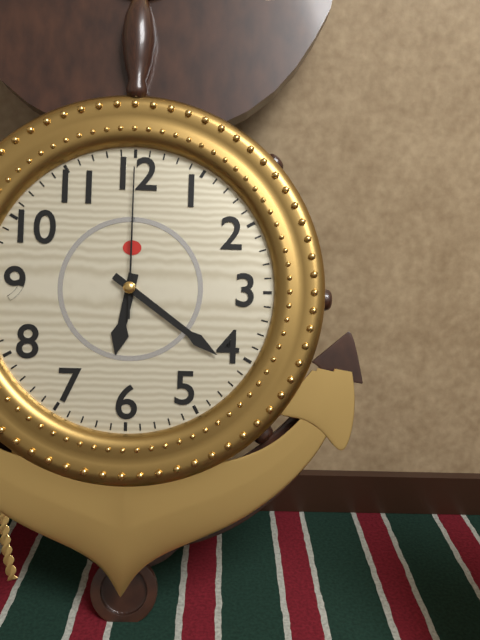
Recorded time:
{"hour": 6, "minute": 21, "second": 0}
